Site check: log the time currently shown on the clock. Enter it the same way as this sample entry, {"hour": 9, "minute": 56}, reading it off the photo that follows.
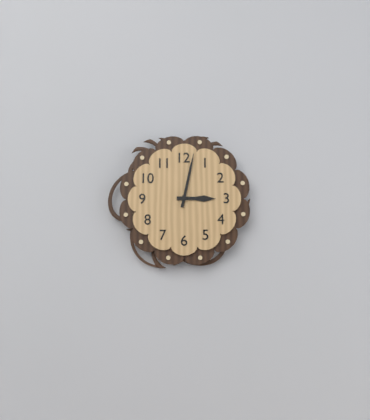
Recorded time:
{"hour": 3, "minute": 2}
